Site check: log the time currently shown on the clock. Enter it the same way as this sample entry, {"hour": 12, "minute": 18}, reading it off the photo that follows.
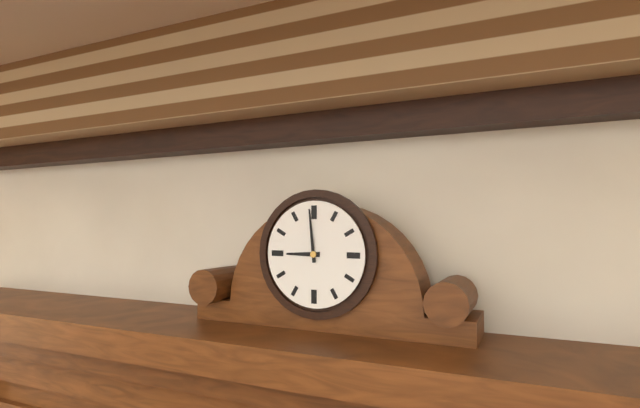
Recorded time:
{"hour": 8, "minute": 59}
